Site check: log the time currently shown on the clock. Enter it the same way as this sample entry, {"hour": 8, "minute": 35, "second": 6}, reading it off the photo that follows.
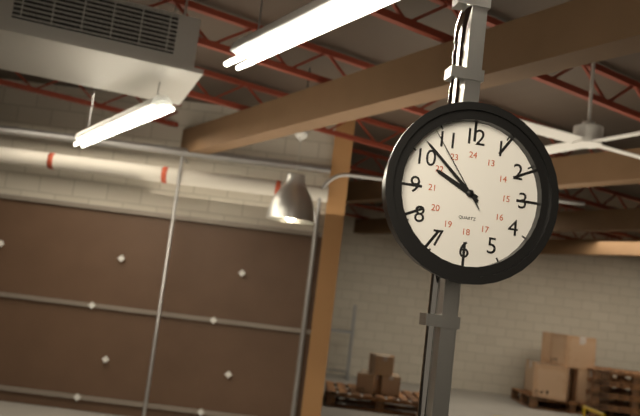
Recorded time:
{"hour": 9, "minute": 52, "second": 54}
